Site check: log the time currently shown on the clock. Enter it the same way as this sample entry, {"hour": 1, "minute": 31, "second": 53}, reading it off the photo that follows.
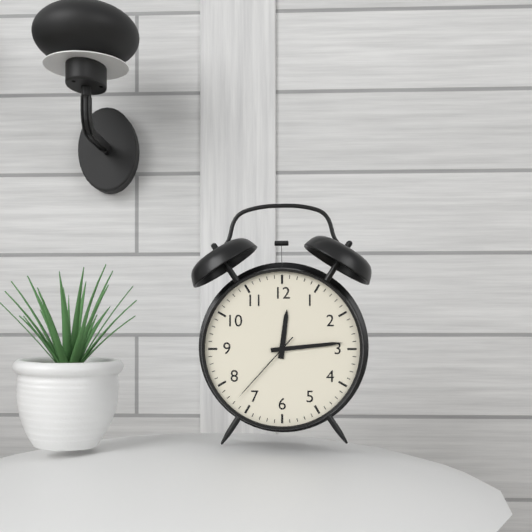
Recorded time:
{"hour": 12, "minute": 14, "second": 37}
